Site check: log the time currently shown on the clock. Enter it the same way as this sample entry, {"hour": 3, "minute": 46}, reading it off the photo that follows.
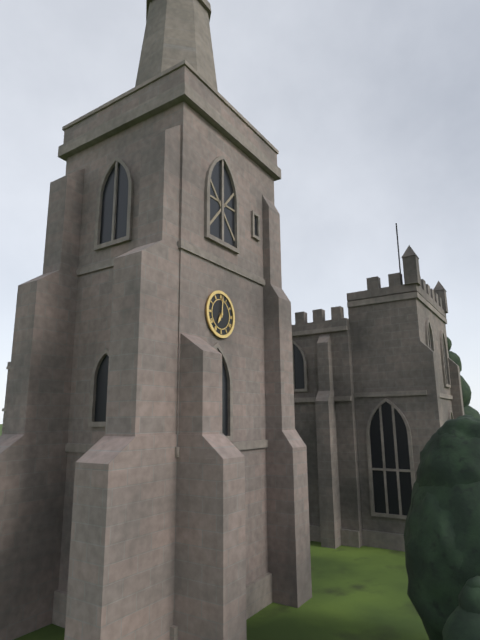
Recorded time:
{"hour": 7, "minute": 1}
